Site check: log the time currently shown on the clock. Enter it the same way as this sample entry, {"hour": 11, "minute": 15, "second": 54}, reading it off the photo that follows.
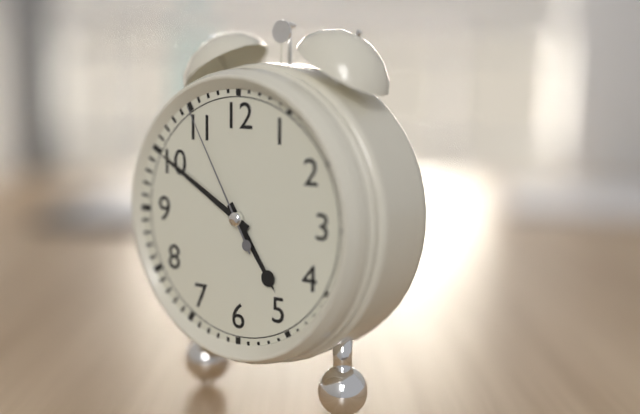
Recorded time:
{"hour": 4, "minute": 50, "second": 55}
